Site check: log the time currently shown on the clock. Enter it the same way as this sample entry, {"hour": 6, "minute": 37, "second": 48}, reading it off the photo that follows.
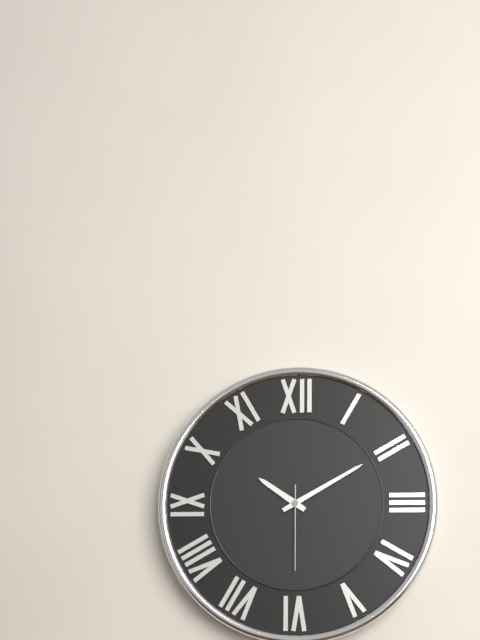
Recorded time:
{"hour": 10, "minute": 10, "second": 30}
